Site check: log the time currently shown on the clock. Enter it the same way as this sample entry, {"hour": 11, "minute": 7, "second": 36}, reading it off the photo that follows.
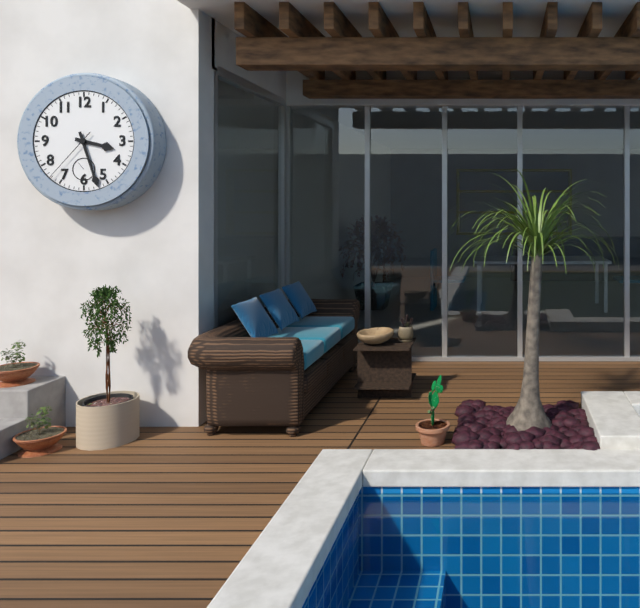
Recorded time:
{"hour": 3, "minute": 27, "second": 37}
